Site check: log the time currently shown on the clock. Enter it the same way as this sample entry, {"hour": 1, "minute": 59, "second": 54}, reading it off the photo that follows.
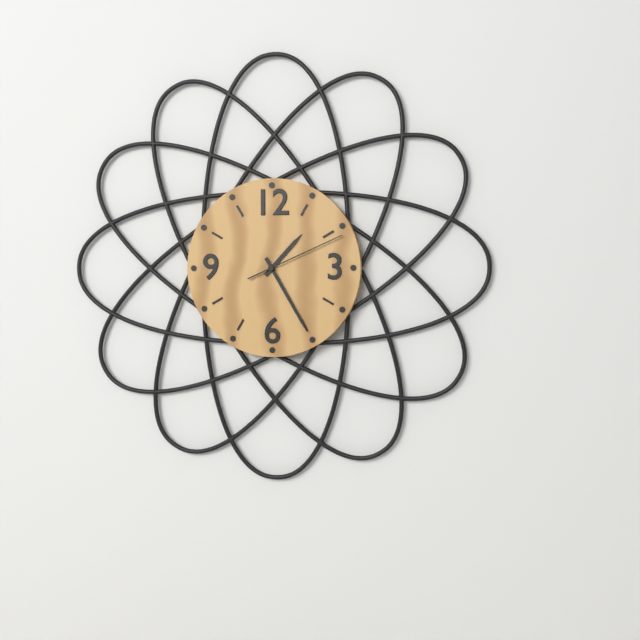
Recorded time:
{"hour": 1, "minute": 25, "second": 11}
